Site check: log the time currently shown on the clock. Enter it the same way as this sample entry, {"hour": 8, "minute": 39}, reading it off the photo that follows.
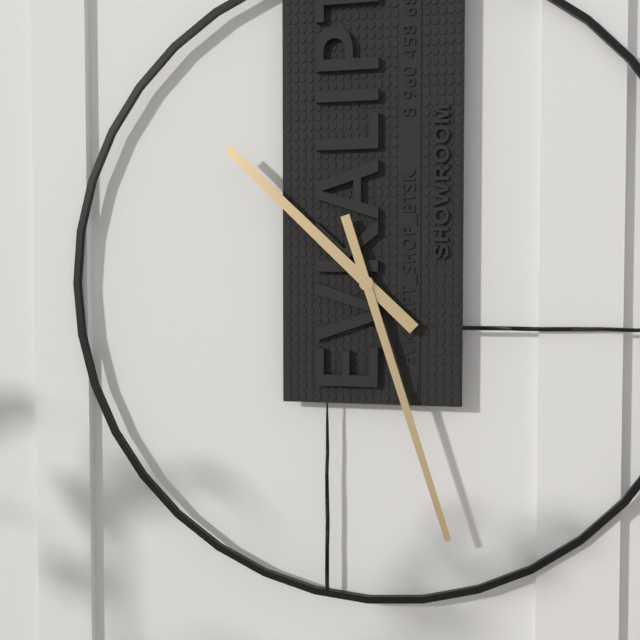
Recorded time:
{"hour": 10, "minute": 27}
